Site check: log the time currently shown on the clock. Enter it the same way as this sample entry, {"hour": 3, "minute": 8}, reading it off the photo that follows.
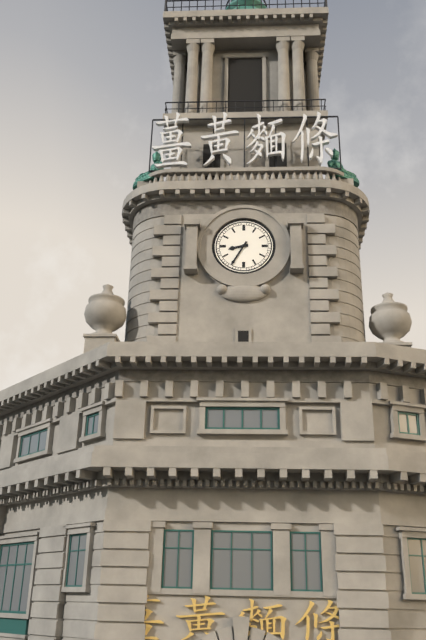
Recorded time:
{"hour": 8, "minute": 35}
